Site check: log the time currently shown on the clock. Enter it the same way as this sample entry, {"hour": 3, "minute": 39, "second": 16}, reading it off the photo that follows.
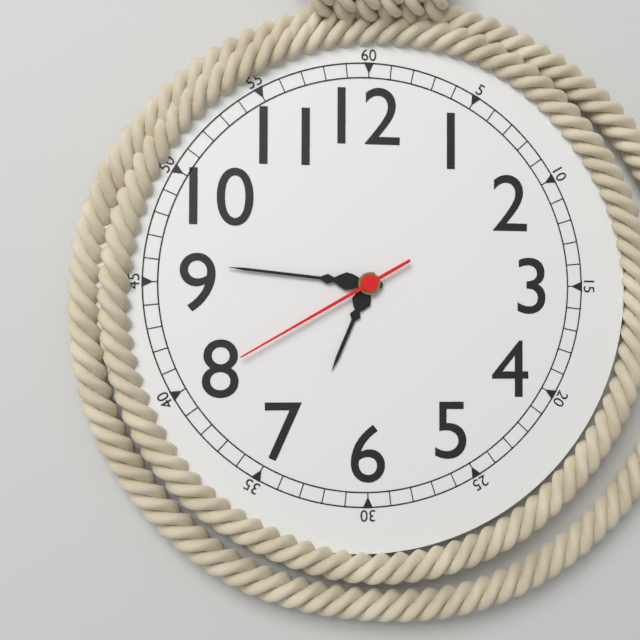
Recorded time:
{"hour": 6, "minute": 46, "second": 40}
